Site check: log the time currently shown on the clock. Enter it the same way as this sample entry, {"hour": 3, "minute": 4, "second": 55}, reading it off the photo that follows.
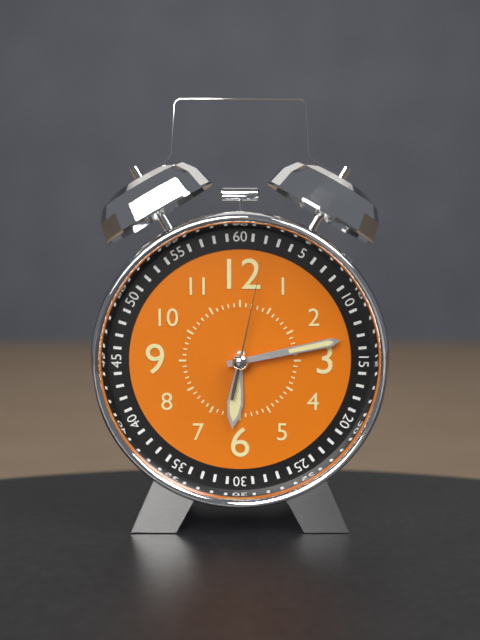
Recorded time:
{"hour": 6, "minute": 13, "second": 2}
